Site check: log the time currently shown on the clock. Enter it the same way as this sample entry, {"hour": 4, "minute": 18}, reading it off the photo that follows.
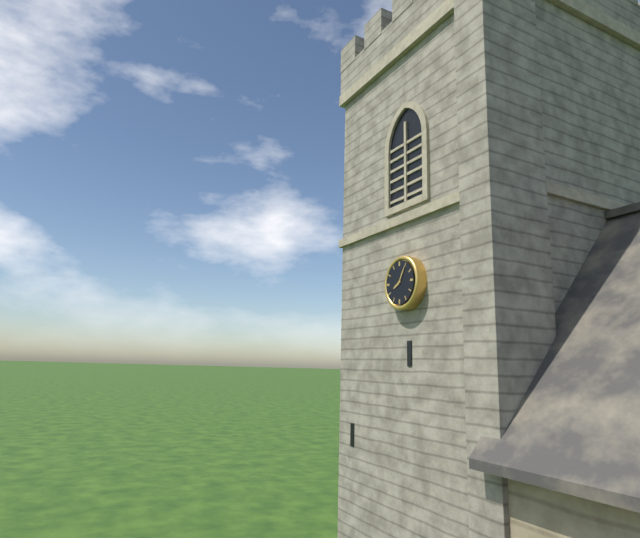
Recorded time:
{"hour": 8, "minute": 5}
